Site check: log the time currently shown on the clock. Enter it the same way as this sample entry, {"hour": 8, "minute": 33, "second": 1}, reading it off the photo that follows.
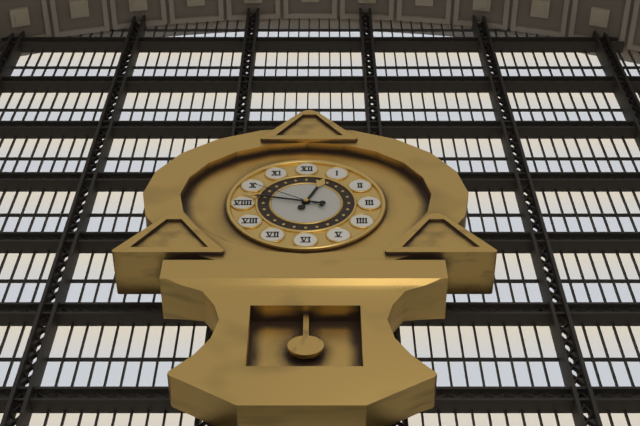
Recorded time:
{"hour": 12, "minute": 47, "second": 50}
